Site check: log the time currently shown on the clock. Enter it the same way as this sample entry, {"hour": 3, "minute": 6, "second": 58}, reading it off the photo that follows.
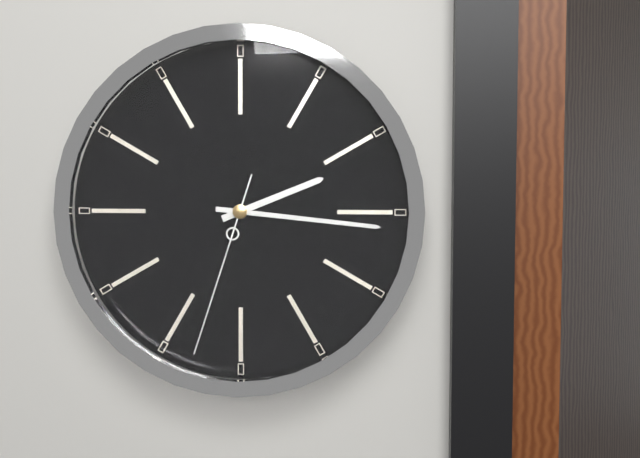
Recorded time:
{"hour": 2, "minute": 16, "second": 33}
